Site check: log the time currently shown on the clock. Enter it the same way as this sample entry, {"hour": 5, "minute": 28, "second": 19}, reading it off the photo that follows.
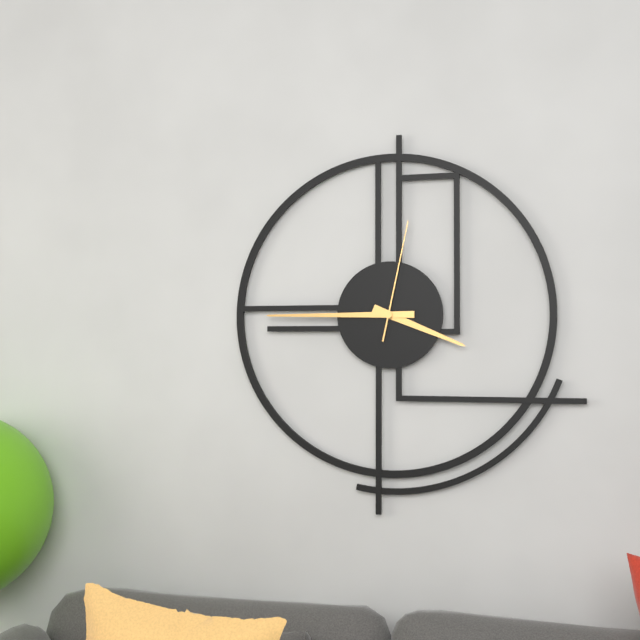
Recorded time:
{"hour": 3, "minute": 45, "second": 2}
